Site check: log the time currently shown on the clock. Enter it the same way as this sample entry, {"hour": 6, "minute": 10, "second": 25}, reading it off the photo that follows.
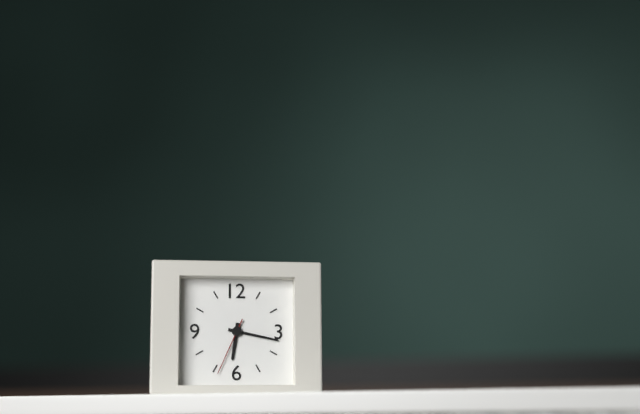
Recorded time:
{"hour": 6, "minute": 17, "second": 34}
